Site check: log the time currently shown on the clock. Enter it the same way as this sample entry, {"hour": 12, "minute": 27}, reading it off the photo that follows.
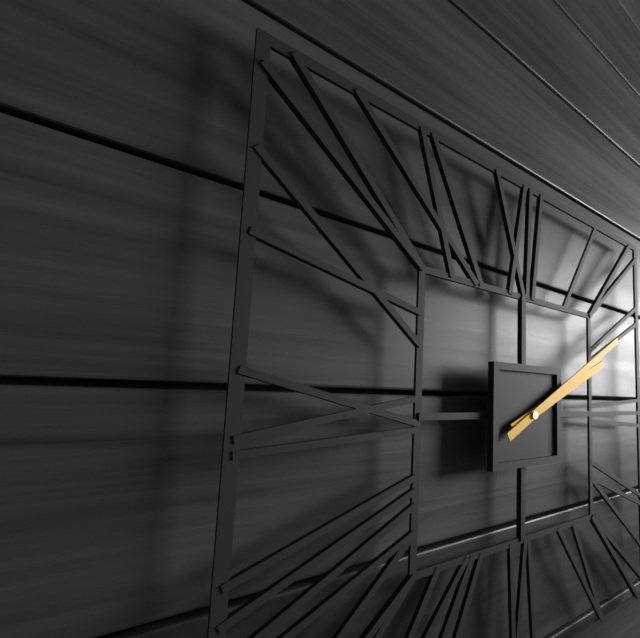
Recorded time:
{"hour": 2, "minute": 10}
